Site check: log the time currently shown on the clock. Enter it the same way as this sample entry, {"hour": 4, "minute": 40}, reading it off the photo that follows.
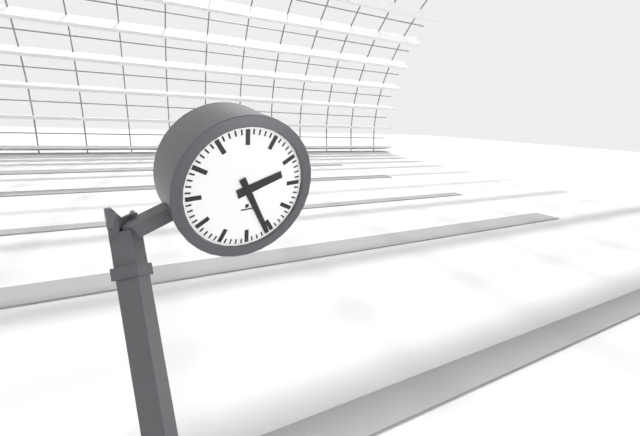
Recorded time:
{"hour": 2, "minute": 26}
